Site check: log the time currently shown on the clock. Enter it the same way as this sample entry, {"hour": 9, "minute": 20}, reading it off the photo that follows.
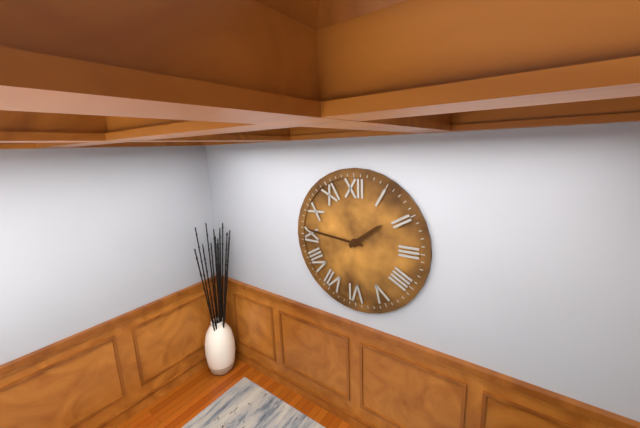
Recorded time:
{"hour": 1, "minute": 46}
